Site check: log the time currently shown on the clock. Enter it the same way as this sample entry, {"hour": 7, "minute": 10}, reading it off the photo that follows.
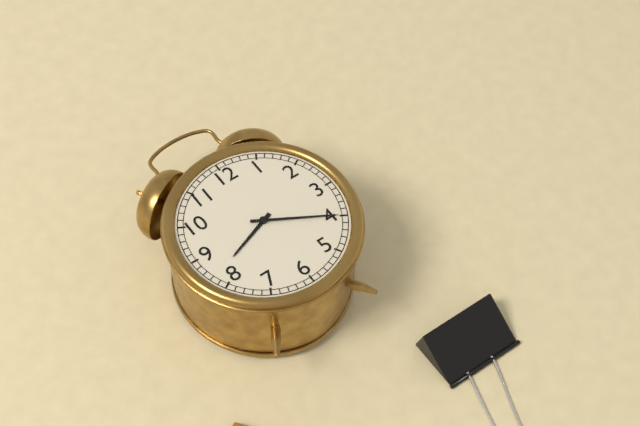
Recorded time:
{"hour": 8, "minute": 20}
